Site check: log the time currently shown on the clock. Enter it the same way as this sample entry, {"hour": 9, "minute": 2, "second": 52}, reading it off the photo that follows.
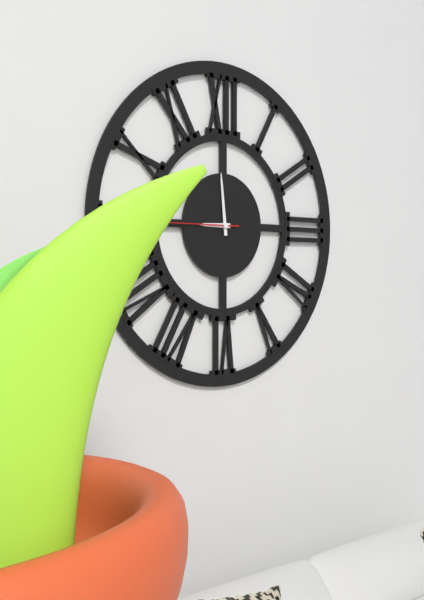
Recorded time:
{"hour": 8, "minute": 59, "second": 45}
